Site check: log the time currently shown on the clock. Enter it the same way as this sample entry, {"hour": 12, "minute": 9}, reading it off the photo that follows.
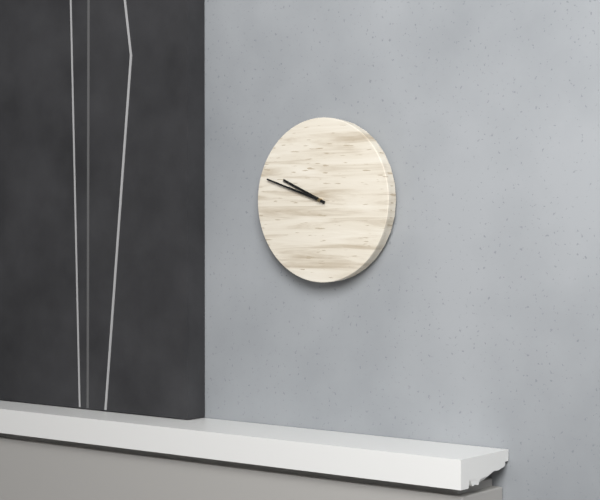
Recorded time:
{"hour": 9, "minute": 48}
